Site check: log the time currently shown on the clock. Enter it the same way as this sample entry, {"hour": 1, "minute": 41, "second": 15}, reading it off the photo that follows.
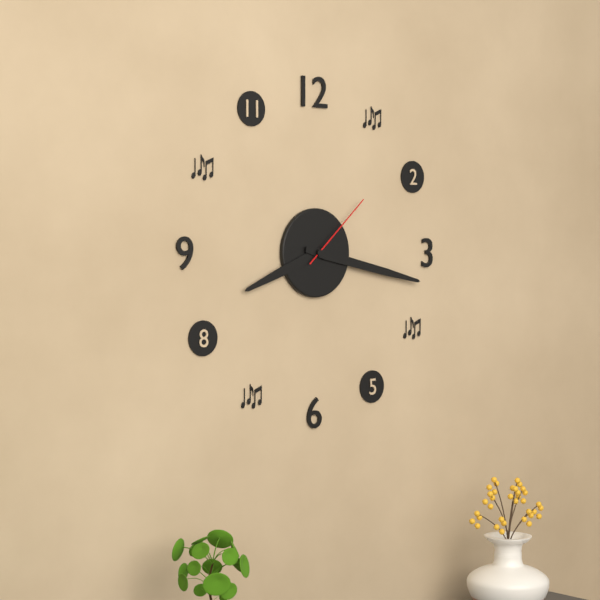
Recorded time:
{"hour": 8, "minute": 17, "second": 8}
